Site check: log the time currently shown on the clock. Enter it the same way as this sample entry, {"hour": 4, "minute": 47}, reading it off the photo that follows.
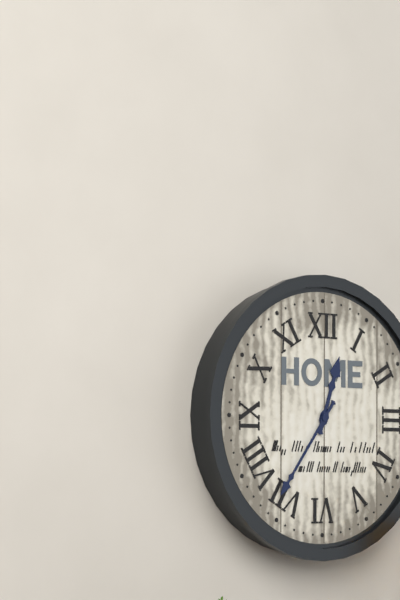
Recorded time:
{"hour": 12, "minute": 36}
